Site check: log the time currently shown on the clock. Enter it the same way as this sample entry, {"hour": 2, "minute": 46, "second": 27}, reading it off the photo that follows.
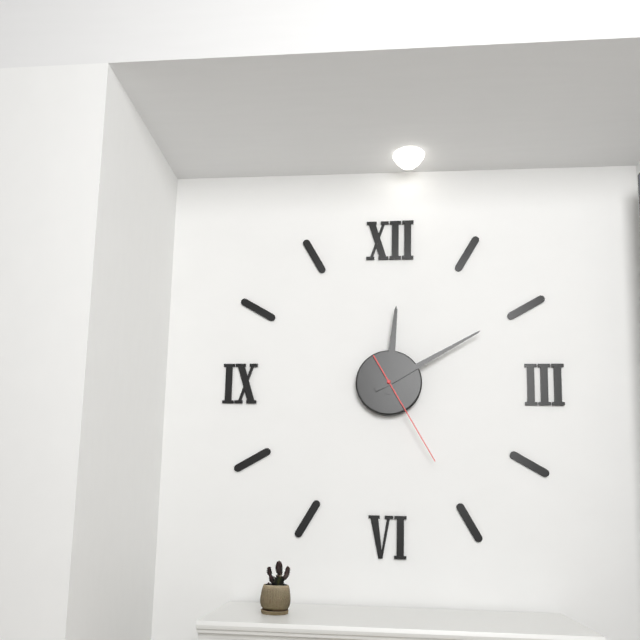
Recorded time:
{"hour": 12, "minute": 10, "second": 25}
